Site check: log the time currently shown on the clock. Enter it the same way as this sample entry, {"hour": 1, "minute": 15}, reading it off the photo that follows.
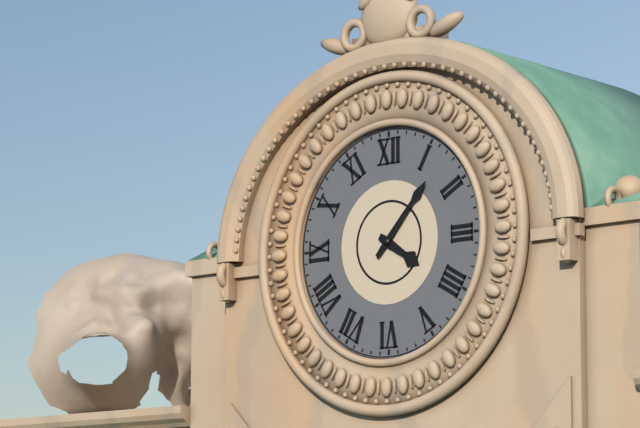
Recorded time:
{"hour": 4, "minute": 7}
